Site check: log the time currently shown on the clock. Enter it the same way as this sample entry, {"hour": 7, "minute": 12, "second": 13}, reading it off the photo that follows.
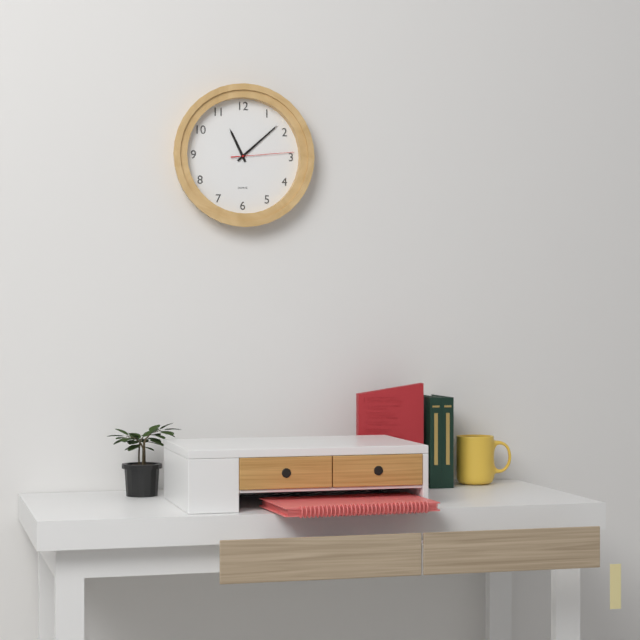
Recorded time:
{"hour": 11, "minute": 8, "second": 14}
